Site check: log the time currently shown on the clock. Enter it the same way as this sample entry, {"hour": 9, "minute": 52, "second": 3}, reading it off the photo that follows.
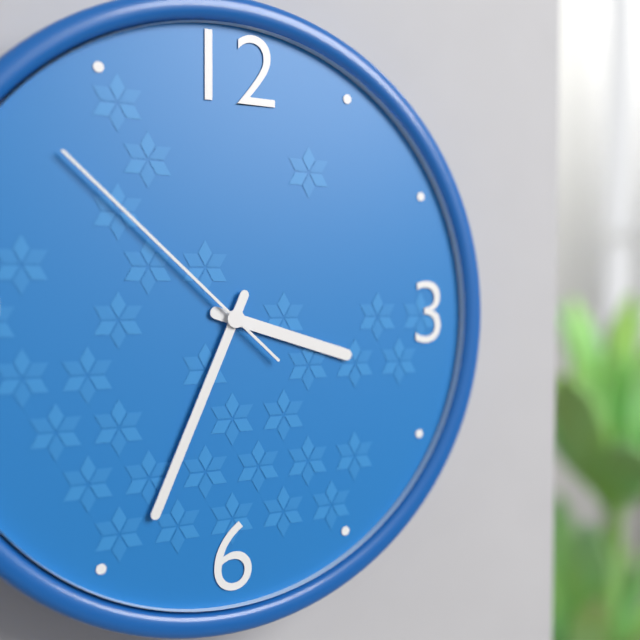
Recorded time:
{"hour": 3, "minute": 34, "second": 52}
